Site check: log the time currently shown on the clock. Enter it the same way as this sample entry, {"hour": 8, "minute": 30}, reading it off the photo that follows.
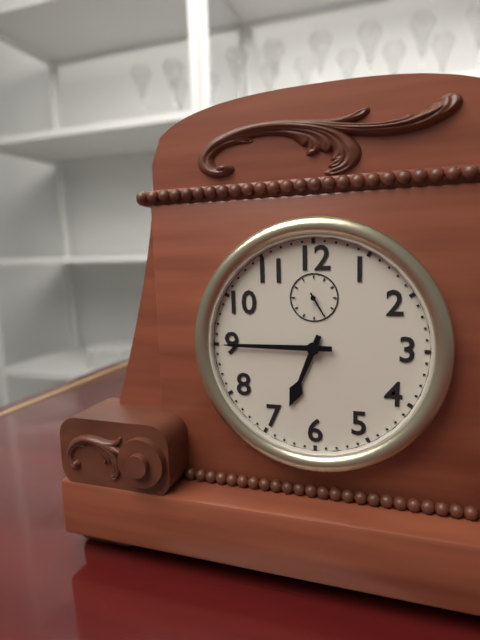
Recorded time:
{"hour": 6, "minute": 45}
